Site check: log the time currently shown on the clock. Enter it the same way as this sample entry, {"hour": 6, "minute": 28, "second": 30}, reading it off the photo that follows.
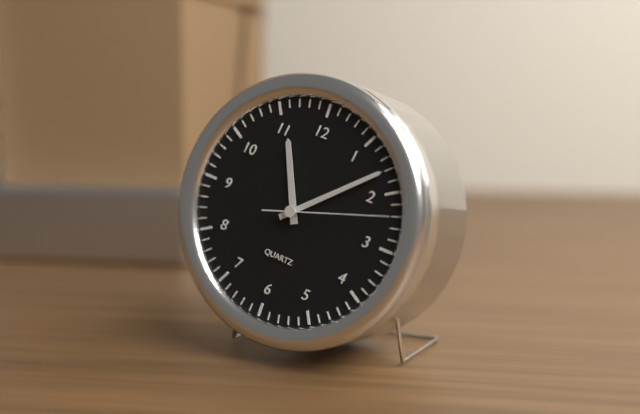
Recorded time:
{"hour": 11, "minute": 8, "second": 12}
